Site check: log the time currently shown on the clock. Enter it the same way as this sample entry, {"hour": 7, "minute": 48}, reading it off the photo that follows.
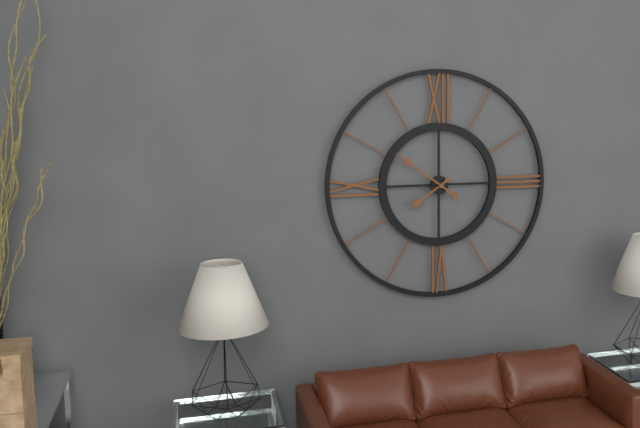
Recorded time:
{"hour": 7, "minute": 51}
